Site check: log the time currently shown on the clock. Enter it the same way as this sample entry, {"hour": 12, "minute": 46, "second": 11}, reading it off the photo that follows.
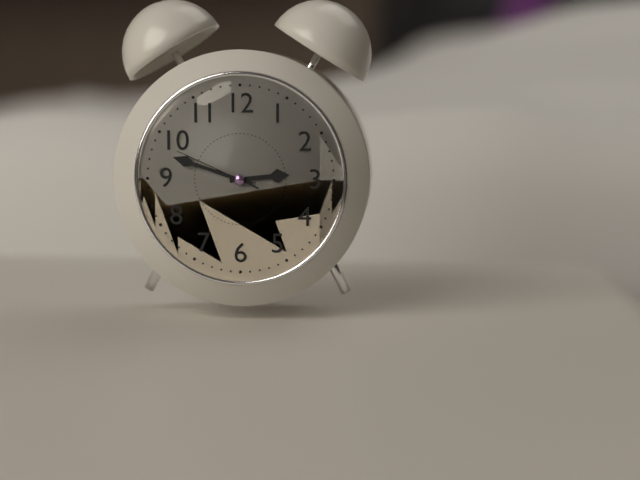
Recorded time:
{"hour": 2, "minute": 48, "second": 49}
